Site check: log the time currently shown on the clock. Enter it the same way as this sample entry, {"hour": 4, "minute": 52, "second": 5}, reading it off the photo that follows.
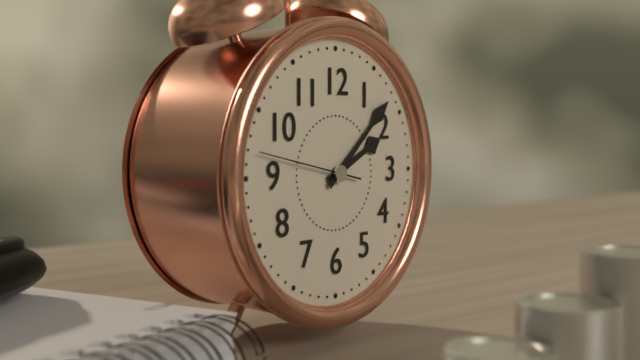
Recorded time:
{"hour": 2, "minute": 8, "second": 47}
